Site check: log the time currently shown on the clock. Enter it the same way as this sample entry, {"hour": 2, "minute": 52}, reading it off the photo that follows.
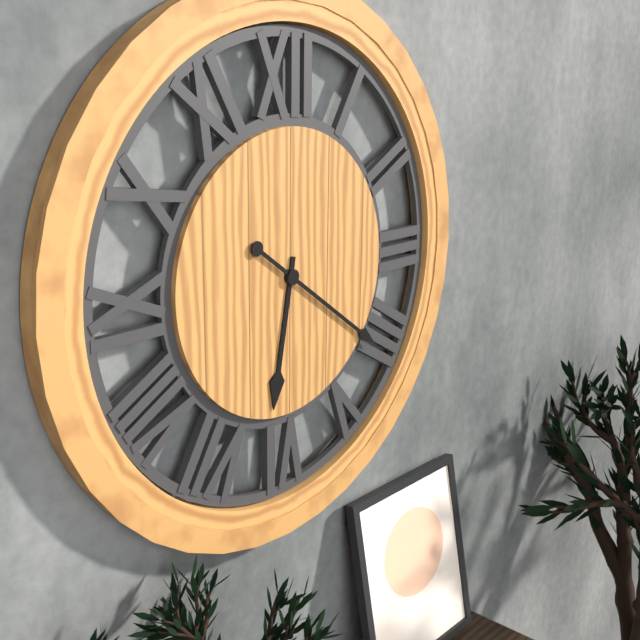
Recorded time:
{"hour": 6, "minute": 21}
